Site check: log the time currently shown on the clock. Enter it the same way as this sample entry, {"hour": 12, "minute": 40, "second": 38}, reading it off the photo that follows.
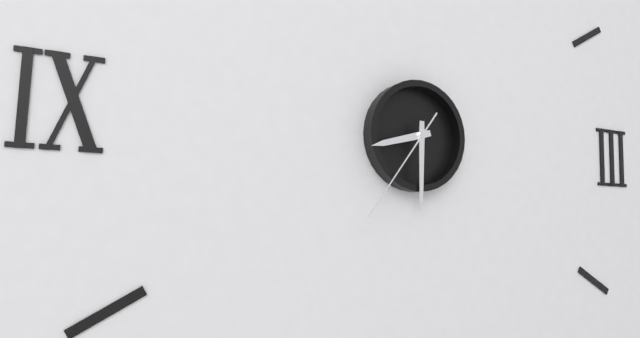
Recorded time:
{"hour": 8, "minute": 30, "second": 36}
